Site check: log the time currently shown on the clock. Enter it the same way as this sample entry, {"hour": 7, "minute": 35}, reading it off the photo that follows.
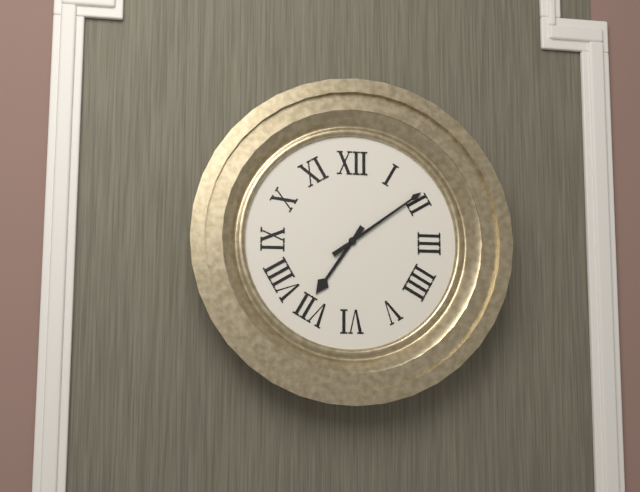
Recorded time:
{"hour": 7, "minute": 9}
